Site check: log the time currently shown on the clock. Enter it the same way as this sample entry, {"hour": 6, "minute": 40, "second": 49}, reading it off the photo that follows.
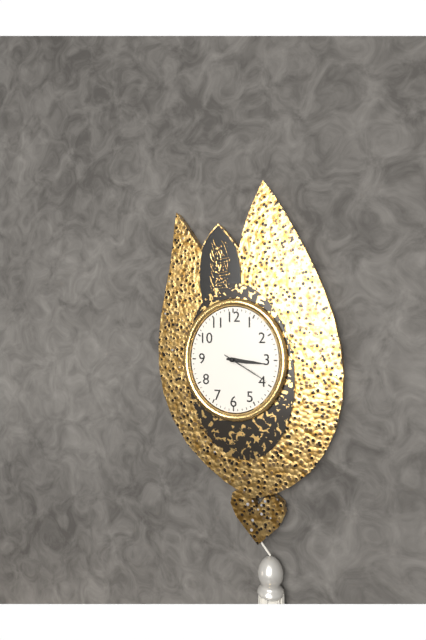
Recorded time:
{"hour": 3, "minute": 16, "second": 20}
